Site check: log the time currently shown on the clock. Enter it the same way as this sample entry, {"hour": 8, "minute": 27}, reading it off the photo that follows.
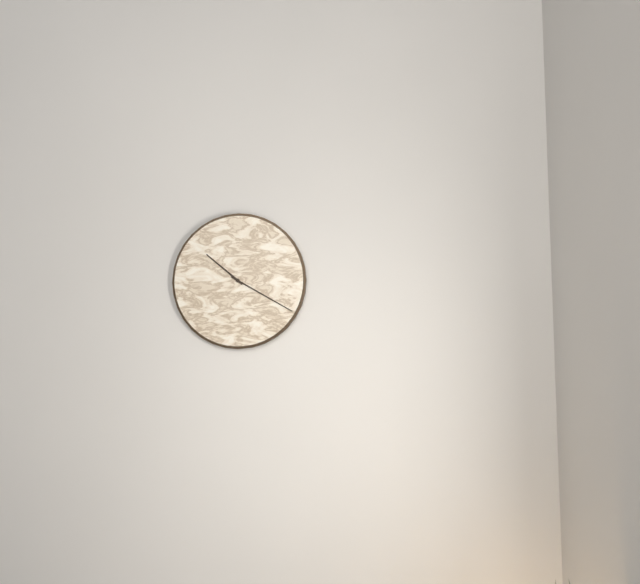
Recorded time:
{"hour": 10, "minute": 20}
